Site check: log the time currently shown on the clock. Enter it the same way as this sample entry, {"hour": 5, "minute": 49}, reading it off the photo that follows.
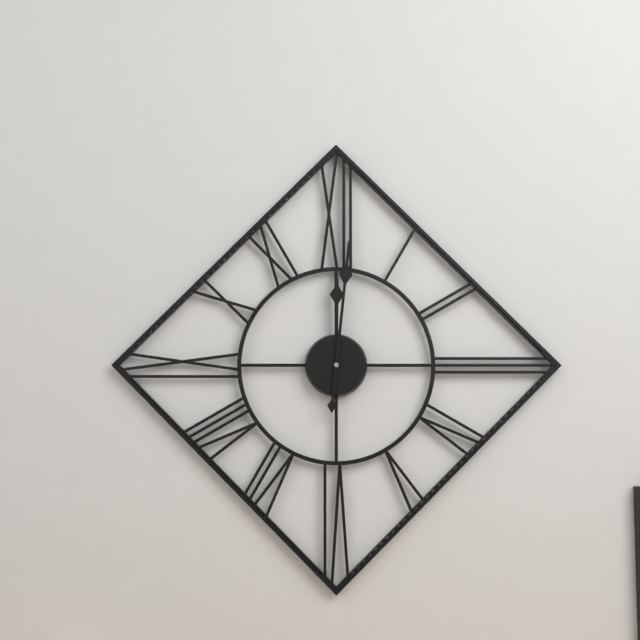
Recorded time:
{"hour": 12, "minute": 1}
